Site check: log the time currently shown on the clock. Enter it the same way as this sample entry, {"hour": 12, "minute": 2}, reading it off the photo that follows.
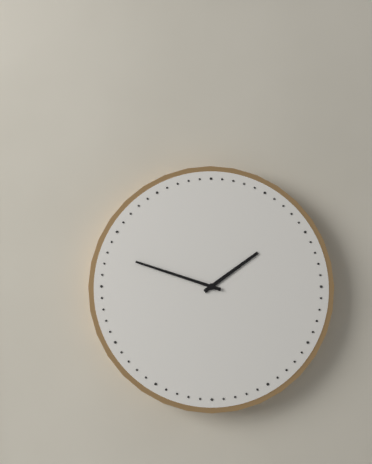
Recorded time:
{"hour": 1, "minute": 48}
